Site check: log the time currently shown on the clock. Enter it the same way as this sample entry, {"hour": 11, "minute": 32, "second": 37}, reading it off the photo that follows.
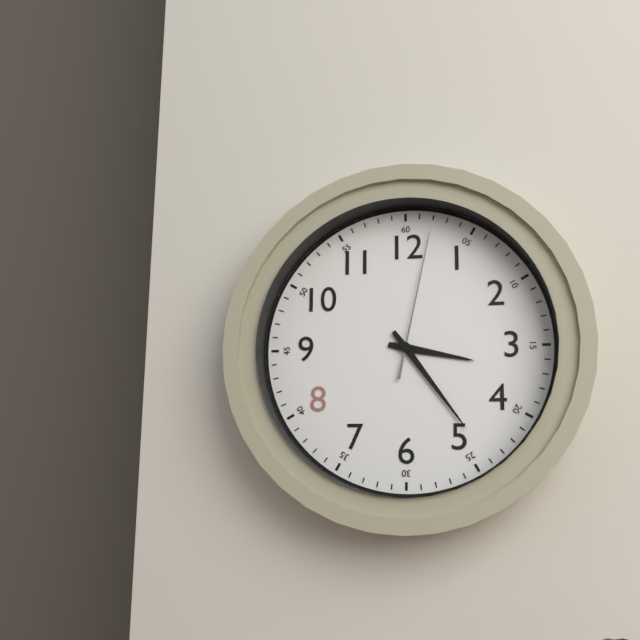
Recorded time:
{"hour": 3, "minute": 24, "second": 2}
